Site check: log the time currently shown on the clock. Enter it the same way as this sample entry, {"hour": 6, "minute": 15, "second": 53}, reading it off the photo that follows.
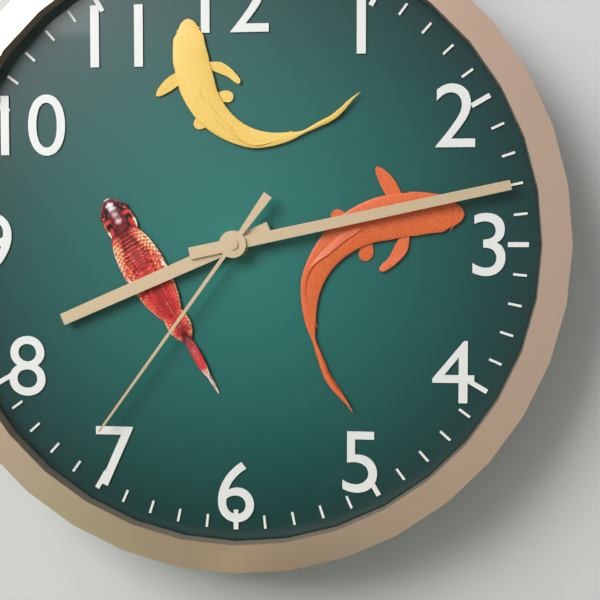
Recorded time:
{"hour": 8, "minute": 13, "second": 36}
